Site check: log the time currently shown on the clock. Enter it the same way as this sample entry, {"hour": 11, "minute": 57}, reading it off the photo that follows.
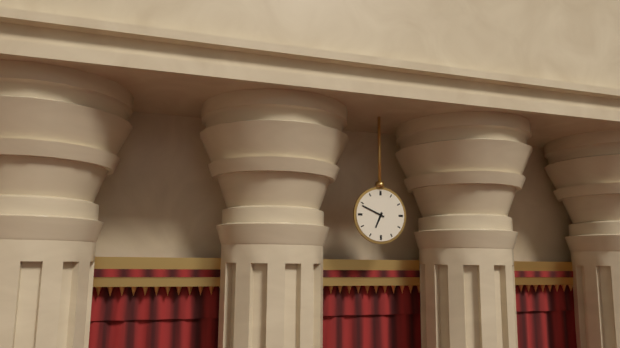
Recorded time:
{"hour": 6, "minute": 49}
